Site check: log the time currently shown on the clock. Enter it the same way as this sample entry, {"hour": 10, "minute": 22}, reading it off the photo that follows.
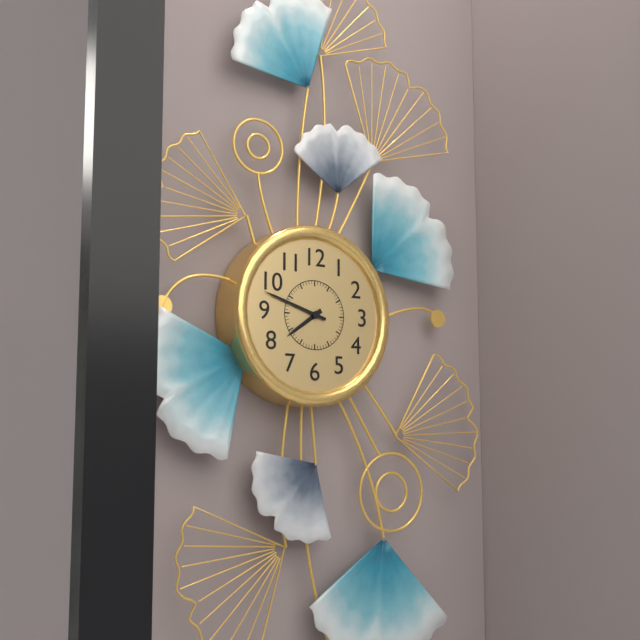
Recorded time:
{"hour": 7, "minute": 48}
